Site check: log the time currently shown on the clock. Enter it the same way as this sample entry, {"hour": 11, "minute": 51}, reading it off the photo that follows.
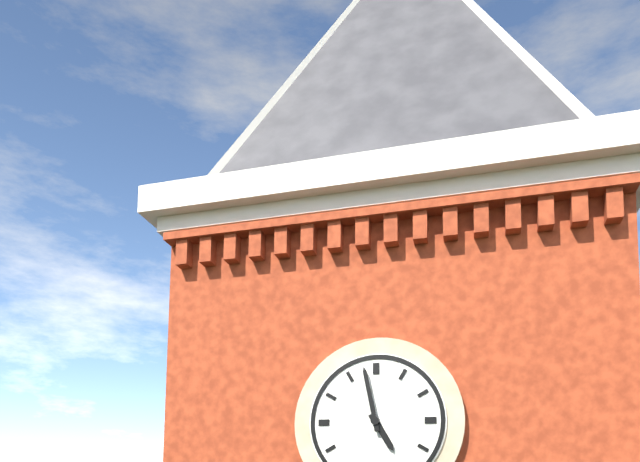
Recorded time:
{"hour": 4, "minute": 58}
